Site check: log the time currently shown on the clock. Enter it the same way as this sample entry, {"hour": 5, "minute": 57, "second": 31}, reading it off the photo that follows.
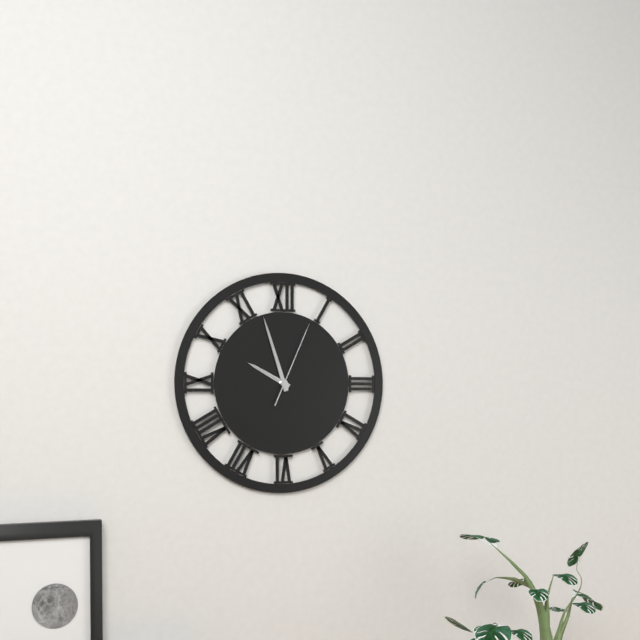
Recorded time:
{"hour": 9, "minute": 57, "second": 4}
